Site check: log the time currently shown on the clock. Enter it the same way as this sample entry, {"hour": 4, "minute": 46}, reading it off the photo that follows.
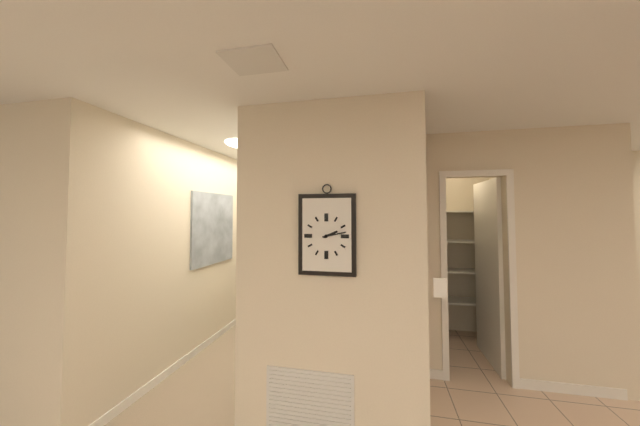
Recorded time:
{"hour": 2, "minute": 13}
